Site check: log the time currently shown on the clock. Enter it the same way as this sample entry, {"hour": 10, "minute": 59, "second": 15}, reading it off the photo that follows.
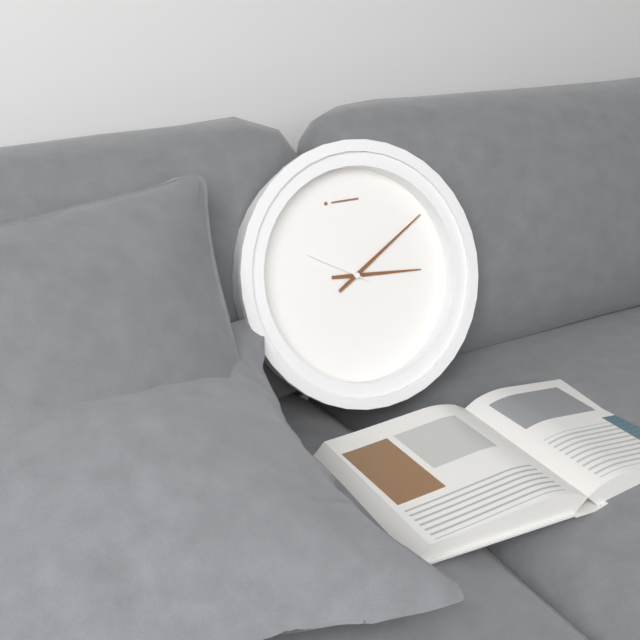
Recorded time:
{"hour": 3, "minute": 10, "second": 50}
